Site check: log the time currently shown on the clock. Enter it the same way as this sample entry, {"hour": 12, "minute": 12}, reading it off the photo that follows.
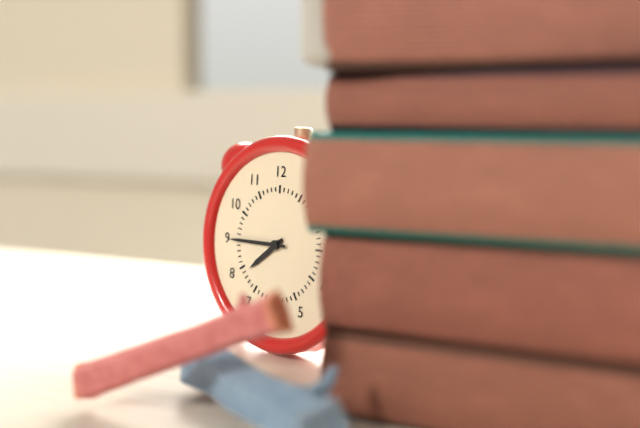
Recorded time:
{"hour": 7, "minute": 45}
